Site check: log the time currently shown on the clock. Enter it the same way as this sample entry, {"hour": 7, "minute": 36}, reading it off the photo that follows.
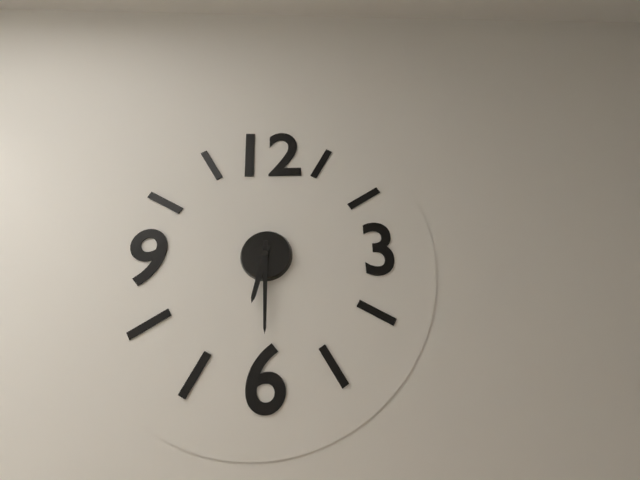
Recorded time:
{"hour": 6, "minute": 30}
